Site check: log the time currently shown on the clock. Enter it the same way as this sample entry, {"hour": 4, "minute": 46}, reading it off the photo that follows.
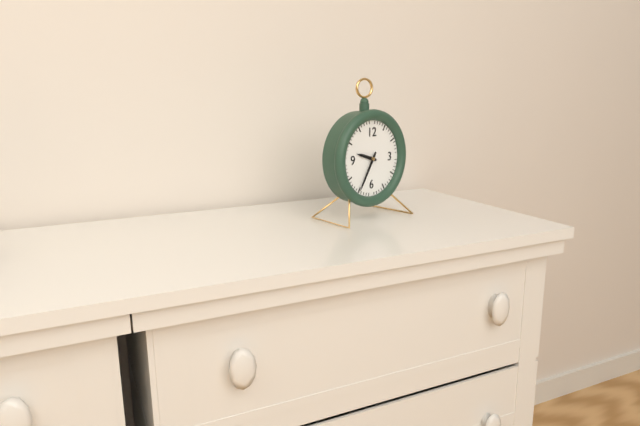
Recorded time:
{"hour": 9, "minute": 35}
